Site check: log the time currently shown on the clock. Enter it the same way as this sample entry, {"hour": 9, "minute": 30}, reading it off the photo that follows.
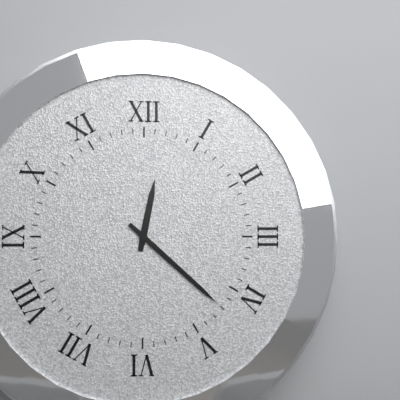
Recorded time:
{"hour": 12, "minute": 22}
